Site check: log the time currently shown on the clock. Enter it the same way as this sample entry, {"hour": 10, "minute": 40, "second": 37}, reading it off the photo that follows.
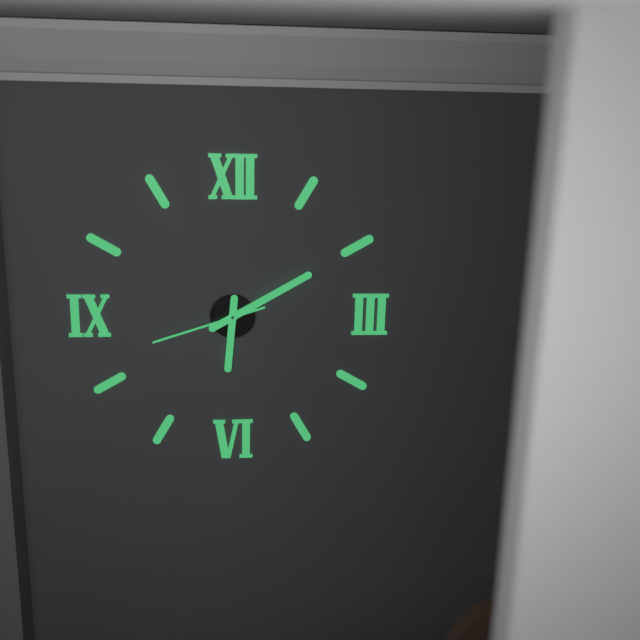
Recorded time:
{"hour": 6, "minute": 10, "second": 42}
